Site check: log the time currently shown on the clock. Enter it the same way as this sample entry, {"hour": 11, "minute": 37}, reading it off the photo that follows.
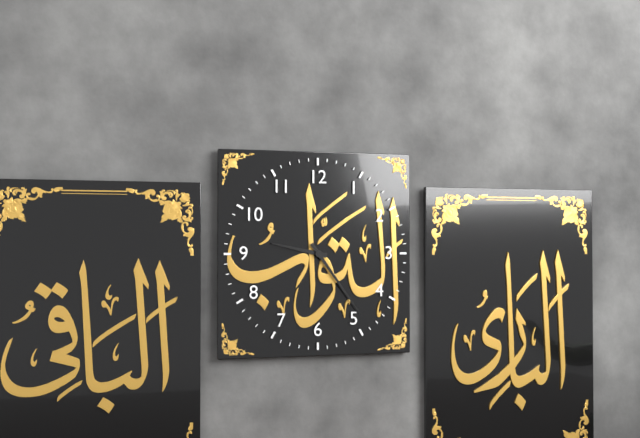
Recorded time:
{"hour": 9, "minute": 24}
